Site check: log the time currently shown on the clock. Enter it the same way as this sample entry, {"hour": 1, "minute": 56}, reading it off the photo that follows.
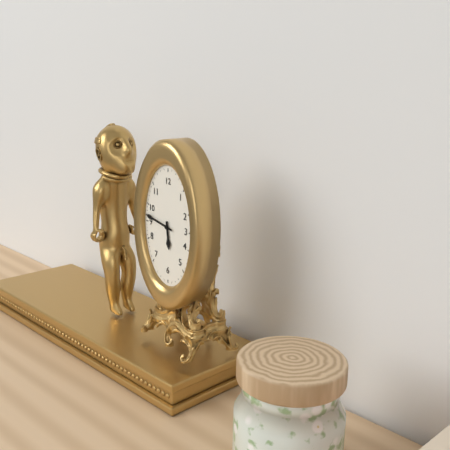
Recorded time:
{"hour": 5, "minute": 47}
